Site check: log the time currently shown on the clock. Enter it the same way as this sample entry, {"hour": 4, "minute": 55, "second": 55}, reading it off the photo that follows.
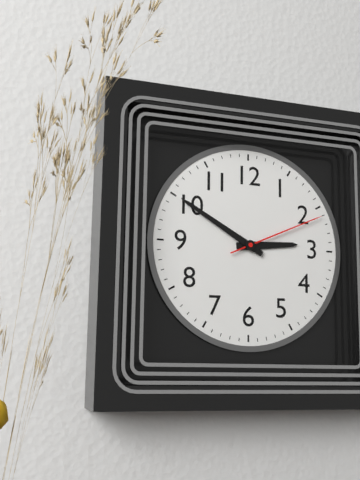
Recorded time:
{"hour": 2, "minute": 50, "second": 11}
